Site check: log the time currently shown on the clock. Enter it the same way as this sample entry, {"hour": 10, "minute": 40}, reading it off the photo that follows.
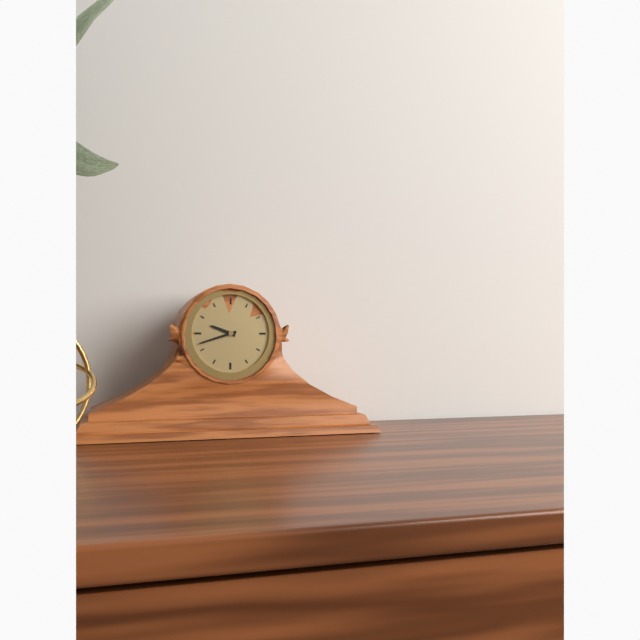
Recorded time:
{"hour": 9, "minute": 42}
